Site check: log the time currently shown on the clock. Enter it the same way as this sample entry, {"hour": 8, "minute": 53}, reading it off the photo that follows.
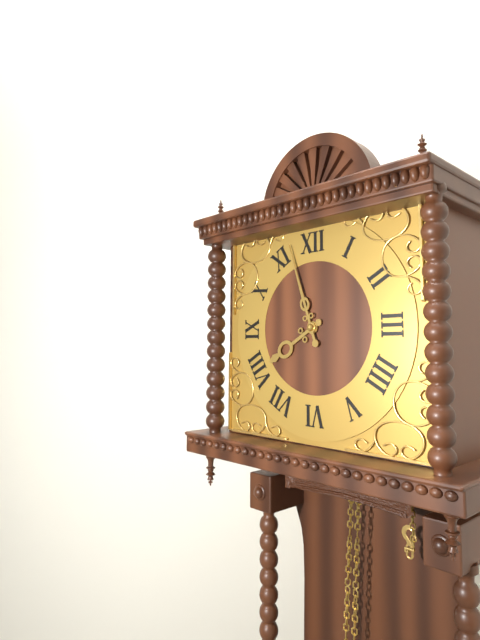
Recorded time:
{"hour": 7, "minute": 57}
